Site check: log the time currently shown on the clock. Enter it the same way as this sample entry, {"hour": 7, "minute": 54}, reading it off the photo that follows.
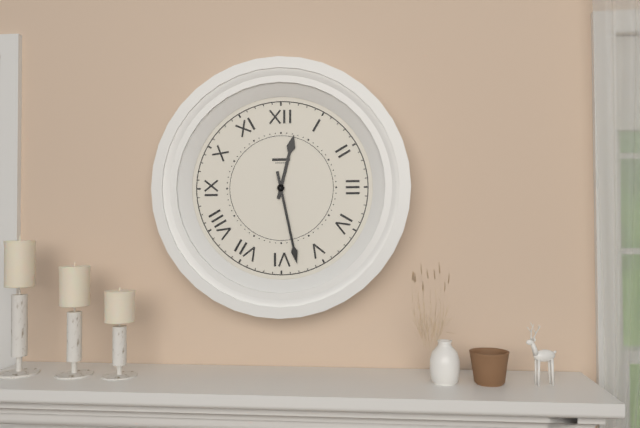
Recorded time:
{"hour": 12, "minute": 28}
